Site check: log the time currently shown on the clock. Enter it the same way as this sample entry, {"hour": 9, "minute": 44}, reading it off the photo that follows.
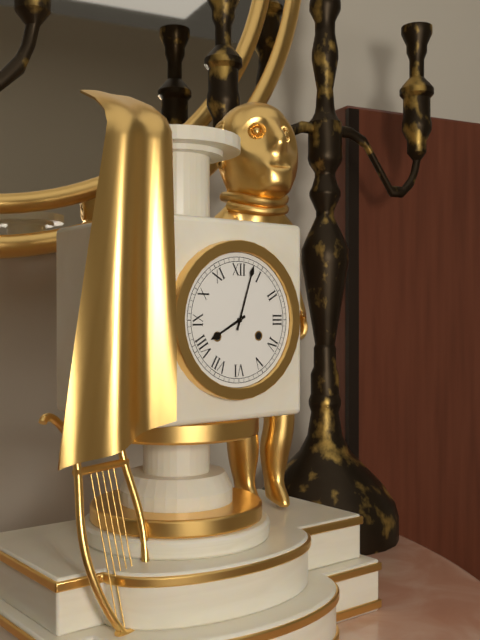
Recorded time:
{"hour": 8, "minute": 3}
